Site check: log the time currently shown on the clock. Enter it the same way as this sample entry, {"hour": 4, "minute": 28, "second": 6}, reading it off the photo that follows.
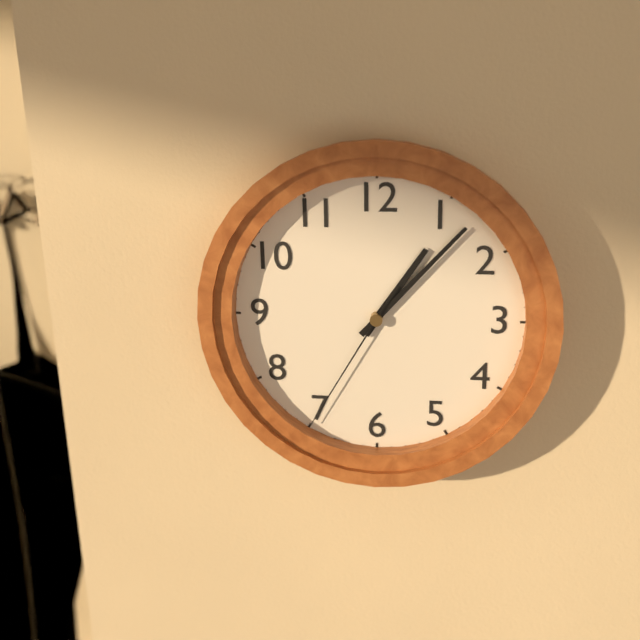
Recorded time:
{"hour": 1, "minute": 7, "second": 35}
